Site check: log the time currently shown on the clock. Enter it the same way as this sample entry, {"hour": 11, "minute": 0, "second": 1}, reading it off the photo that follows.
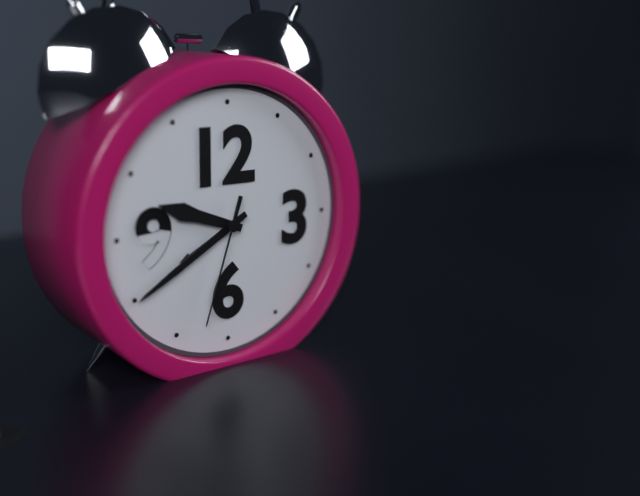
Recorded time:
{"hour": 9, "minute": 40, "second": 33}
